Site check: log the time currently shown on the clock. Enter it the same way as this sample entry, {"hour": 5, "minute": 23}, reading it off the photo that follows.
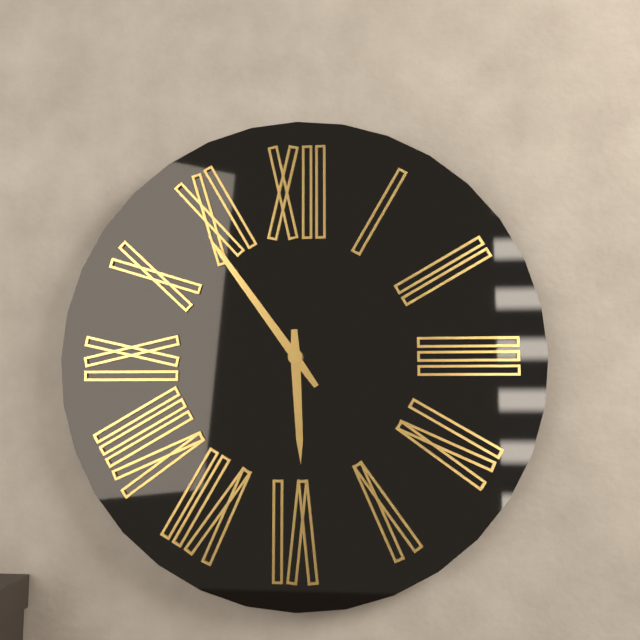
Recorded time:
{"hour": 5, "minute": 54}
